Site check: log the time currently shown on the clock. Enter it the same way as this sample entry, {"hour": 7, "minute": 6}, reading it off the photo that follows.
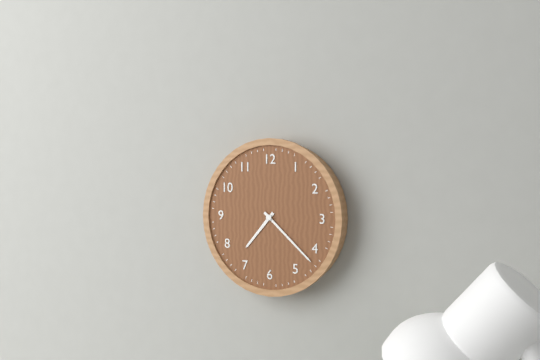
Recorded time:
{"hour": 7, "minute": 22}
